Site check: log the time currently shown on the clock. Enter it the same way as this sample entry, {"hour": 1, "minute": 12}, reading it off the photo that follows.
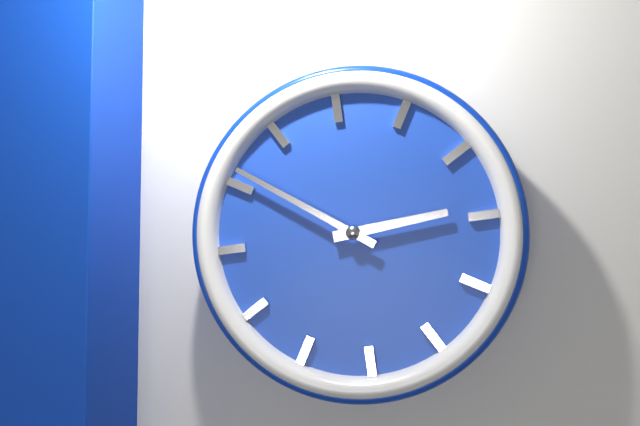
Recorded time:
{"hour": 2, "minute": 51}
